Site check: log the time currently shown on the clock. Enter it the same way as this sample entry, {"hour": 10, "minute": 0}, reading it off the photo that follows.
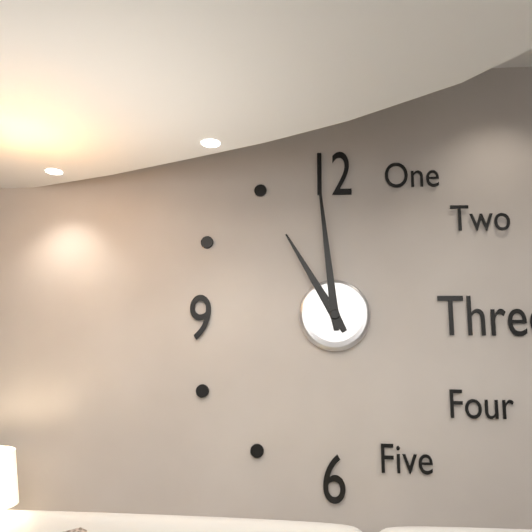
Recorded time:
{"hour": 10, "minute": 59}
